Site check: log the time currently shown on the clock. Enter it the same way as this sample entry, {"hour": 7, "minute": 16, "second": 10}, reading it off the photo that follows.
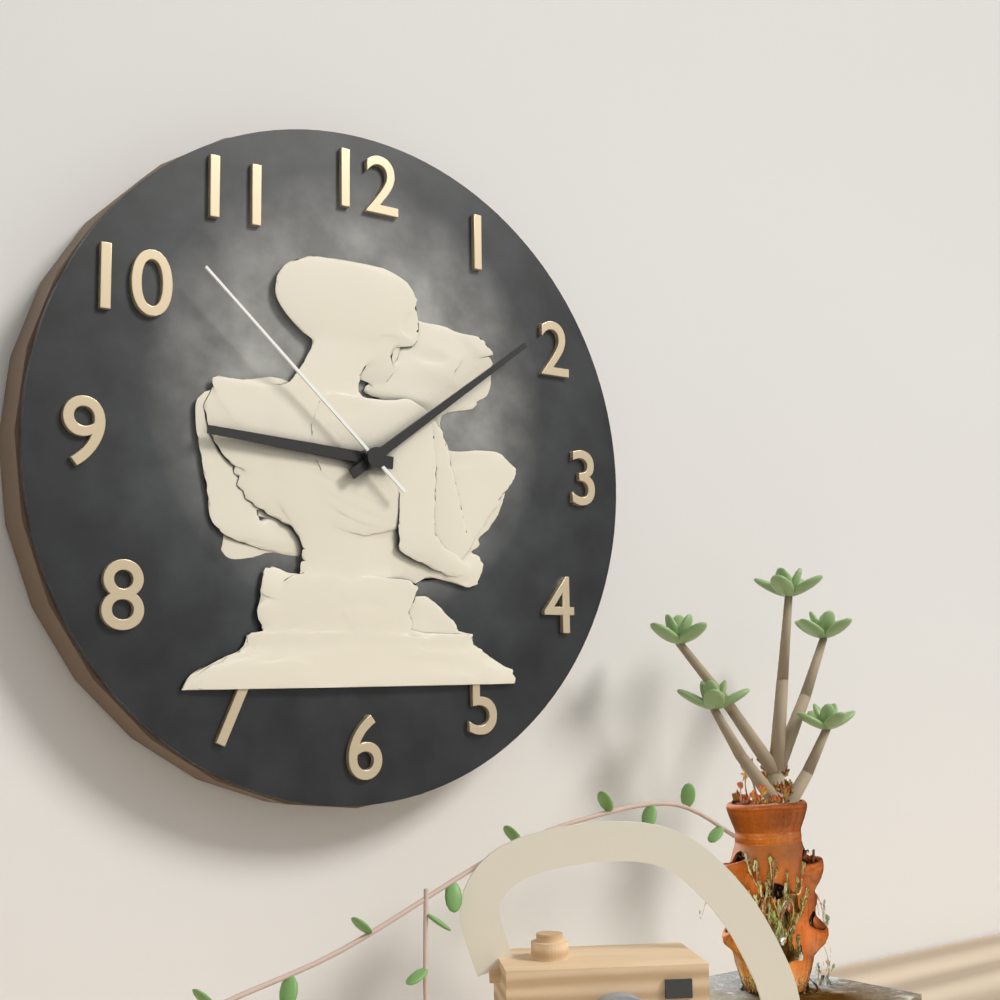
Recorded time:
{"hour": 9, "minute": 9, "second": 52}
